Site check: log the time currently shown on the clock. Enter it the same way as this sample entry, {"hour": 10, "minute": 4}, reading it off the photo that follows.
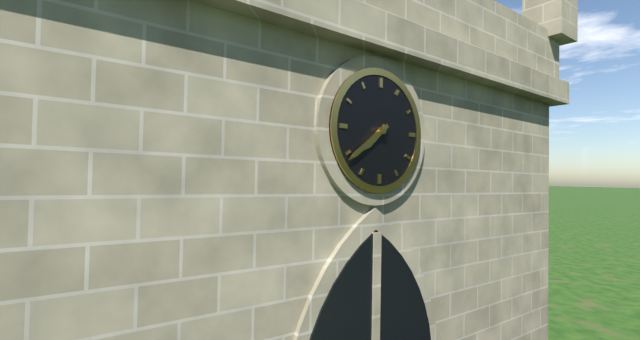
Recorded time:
{"hour": 7, "minute": 39}
